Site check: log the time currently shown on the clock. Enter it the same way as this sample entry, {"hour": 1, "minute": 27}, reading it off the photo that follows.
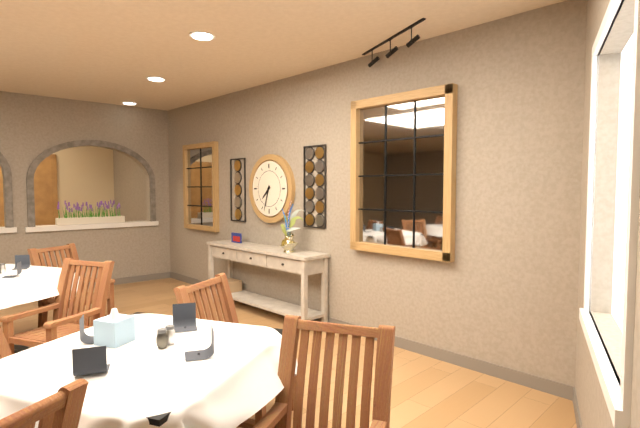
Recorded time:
{"hour": 7, "minute": 33}
